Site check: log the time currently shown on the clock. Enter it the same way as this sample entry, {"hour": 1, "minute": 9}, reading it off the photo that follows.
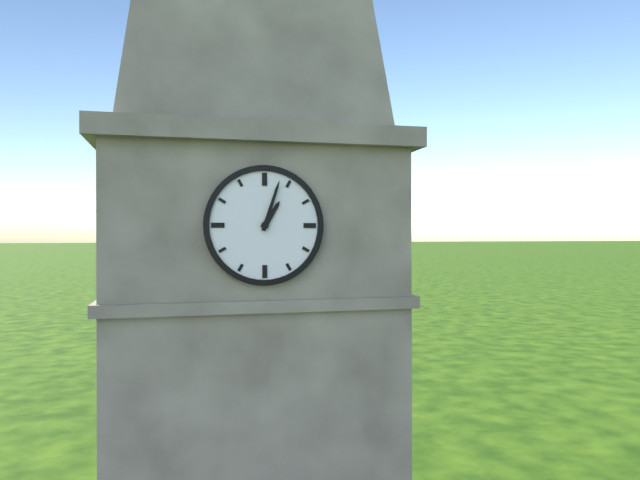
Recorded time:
{"hour": 1, "minute": 3}
